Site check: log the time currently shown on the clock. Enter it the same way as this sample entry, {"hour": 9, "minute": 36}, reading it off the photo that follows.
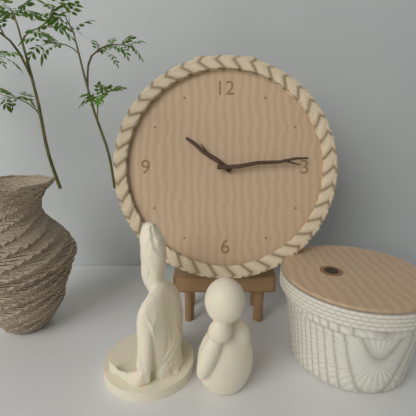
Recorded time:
{"hour": 10, "minute": 14}
